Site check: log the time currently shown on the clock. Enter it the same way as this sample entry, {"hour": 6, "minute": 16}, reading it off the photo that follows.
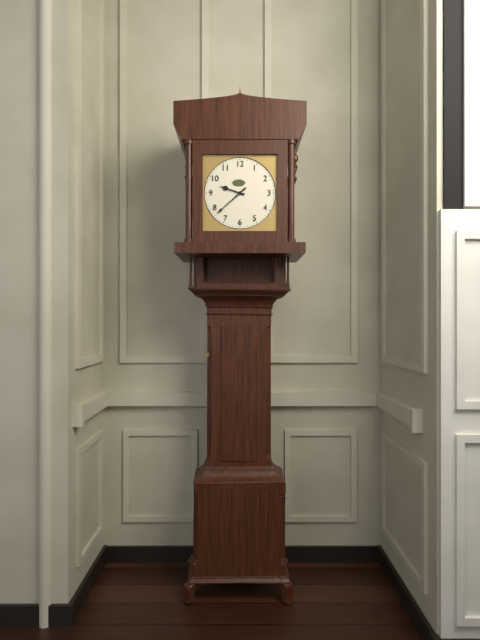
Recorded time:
{"hour": 9, "minute": 38}
